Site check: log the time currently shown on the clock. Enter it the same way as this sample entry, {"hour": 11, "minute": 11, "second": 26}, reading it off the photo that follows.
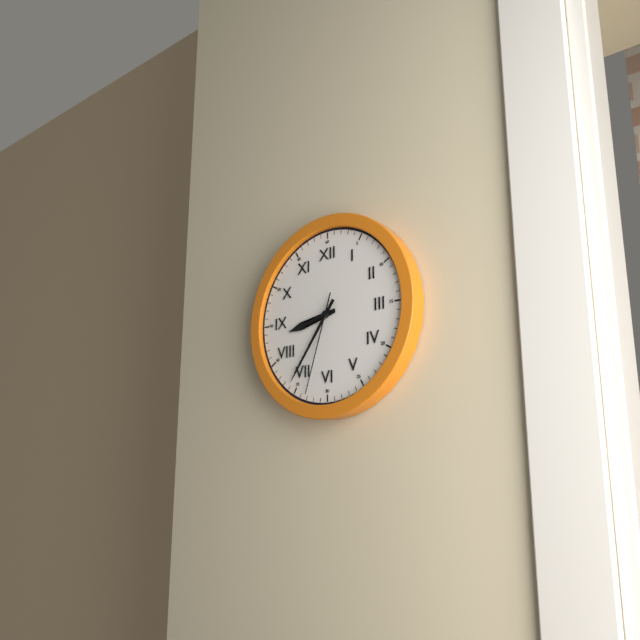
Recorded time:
{"hour": 8, "minute": 36, "second": 33}
